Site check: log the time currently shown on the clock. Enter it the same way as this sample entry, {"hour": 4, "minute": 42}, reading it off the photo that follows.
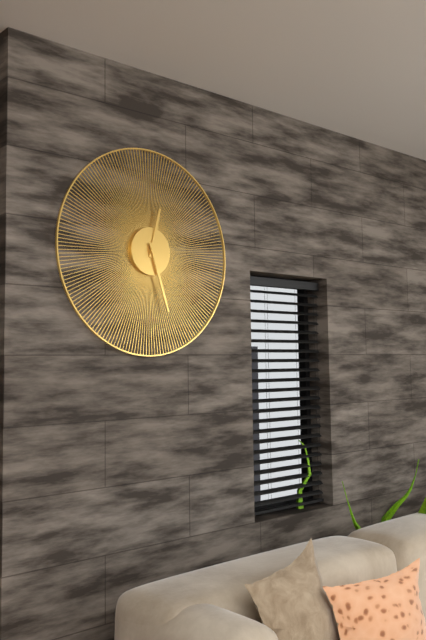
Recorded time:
{"hour": 12, "minute": 27}
